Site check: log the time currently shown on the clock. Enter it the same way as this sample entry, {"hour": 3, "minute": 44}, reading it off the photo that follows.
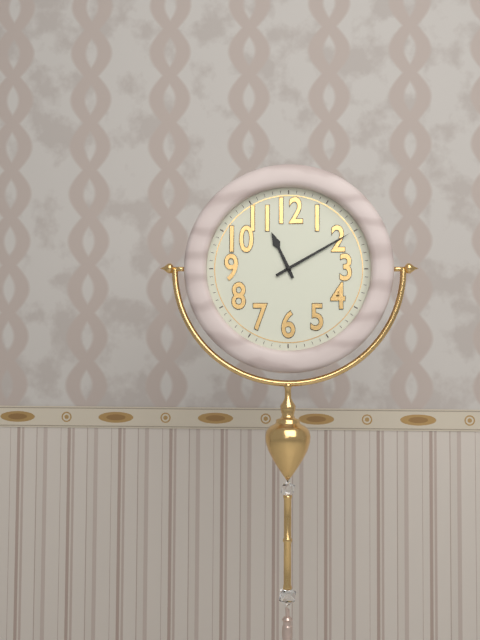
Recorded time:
{"hour": 11, "minute": 10}
